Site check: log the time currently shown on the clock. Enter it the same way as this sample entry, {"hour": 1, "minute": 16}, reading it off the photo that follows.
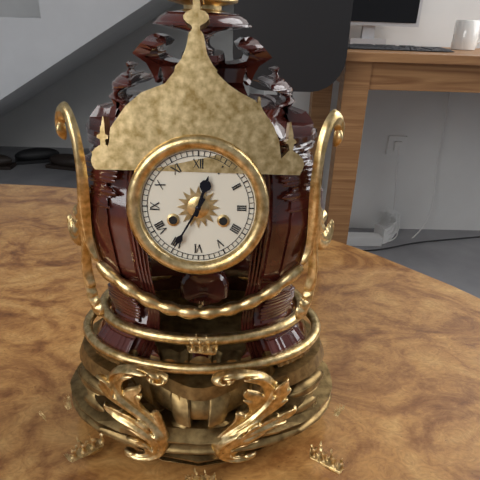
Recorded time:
{"hour": 12, "minute": 35}
